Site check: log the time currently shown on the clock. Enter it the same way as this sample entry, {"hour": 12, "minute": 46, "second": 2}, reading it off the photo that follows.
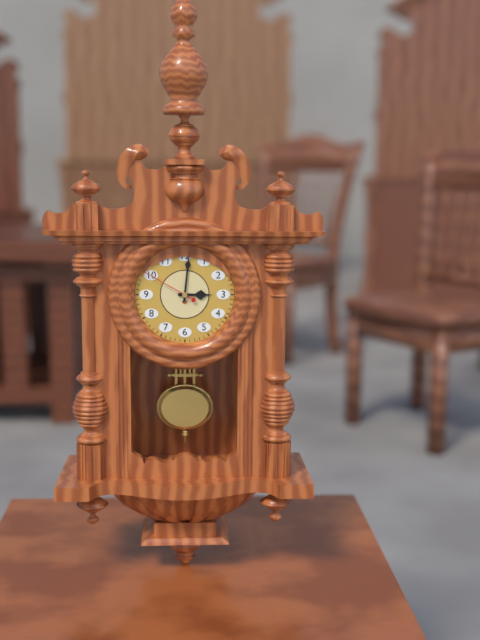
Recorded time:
{"hour": 3, "minute": 1, "second": 50}
